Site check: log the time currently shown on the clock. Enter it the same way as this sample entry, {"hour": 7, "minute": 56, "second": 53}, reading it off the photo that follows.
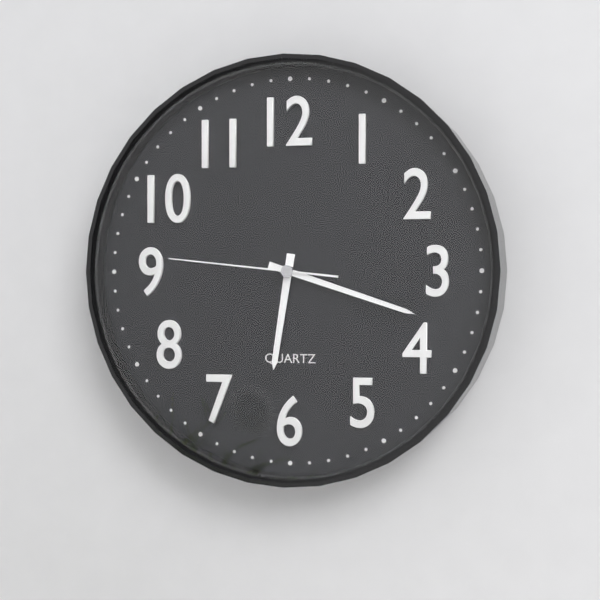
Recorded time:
{"hour": 6, "minute": 18, "second": 46}
